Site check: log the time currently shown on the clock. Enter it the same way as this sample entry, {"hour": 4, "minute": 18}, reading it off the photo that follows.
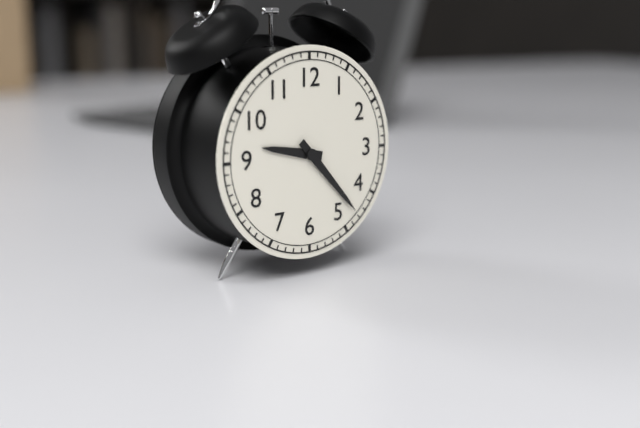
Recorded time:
{"hour": 9, "minute": 23}
